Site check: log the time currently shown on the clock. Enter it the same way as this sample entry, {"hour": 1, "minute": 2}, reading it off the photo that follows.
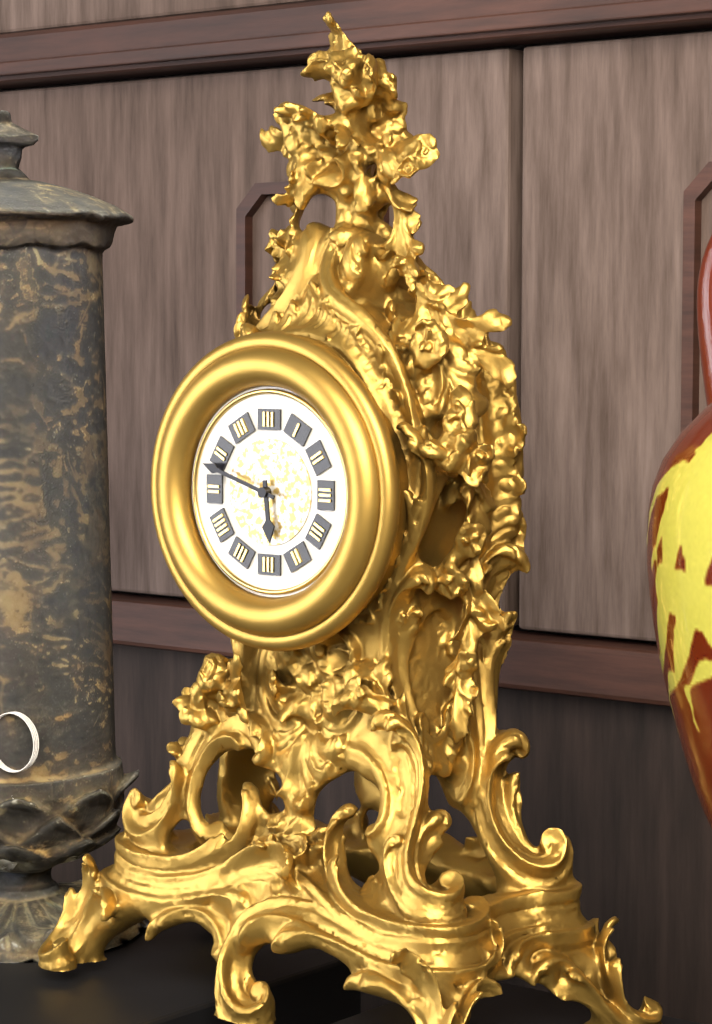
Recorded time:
{"hour": 5, "minute": 48}
